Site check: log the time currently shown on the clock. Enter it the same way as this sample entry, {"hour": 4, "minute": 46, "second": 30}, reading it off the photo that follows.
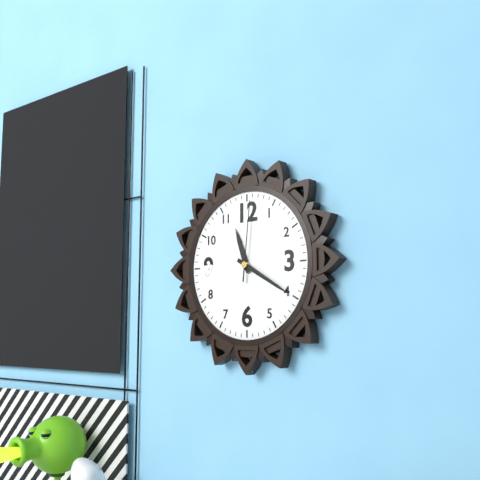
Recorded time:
{"hour": 11, "minute": 20, "second": 1}
